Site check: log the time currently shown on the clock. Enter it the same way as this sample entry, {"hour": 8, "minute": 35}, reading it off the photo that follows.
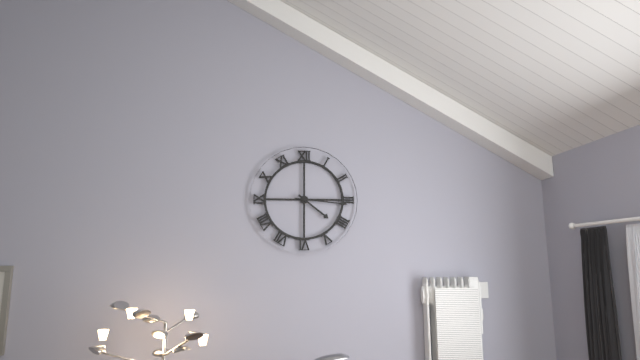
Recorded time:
{"hour": 4, "minute": 16}
